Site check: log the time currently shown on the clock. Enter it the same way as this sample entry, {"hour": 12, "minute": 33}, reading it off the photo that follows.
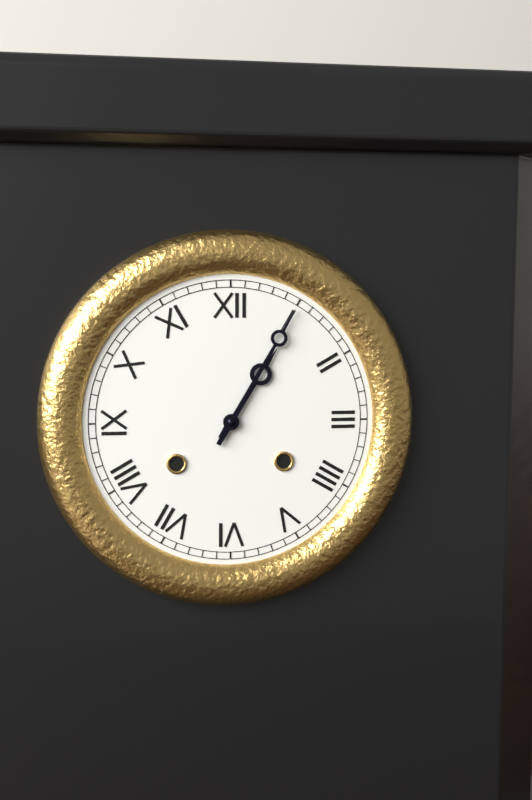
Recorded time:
{"hour": 1, "minute": 5}
